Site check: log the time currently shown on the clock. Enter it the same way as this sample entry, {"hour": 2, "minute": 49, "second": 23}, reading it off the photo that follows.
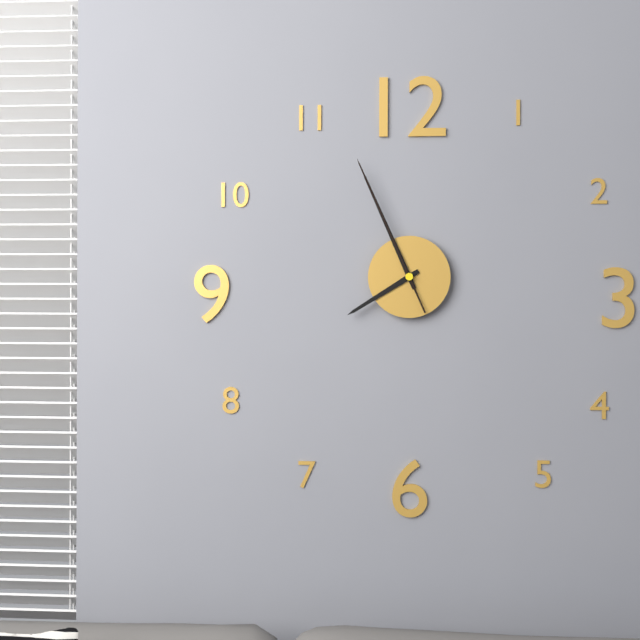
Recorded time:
{"hour": 7, "minute": 56, "second": 56}
